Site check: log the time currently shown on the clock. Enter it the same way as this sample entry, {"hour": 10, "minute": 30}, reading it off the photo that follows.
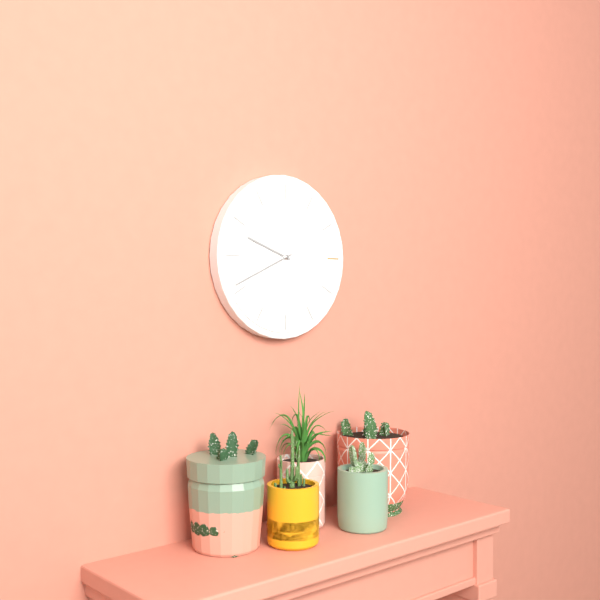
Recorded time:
{"hour": 9, "minute": 41}
